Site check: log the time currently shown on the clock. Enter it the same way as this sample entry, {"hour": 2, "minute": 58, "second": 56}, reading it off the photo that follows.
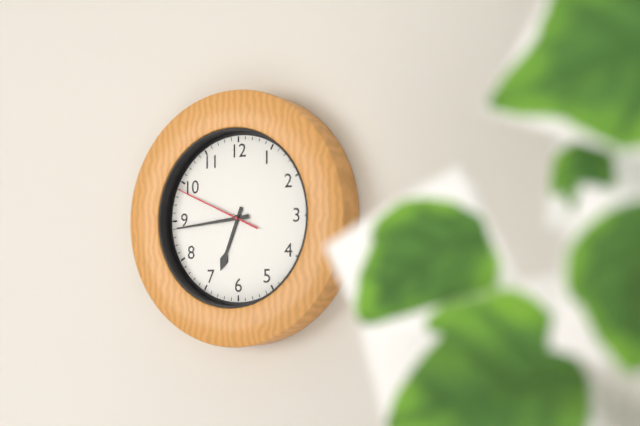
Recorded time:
{"hour": 6, "minute": 44, "second": 49}
